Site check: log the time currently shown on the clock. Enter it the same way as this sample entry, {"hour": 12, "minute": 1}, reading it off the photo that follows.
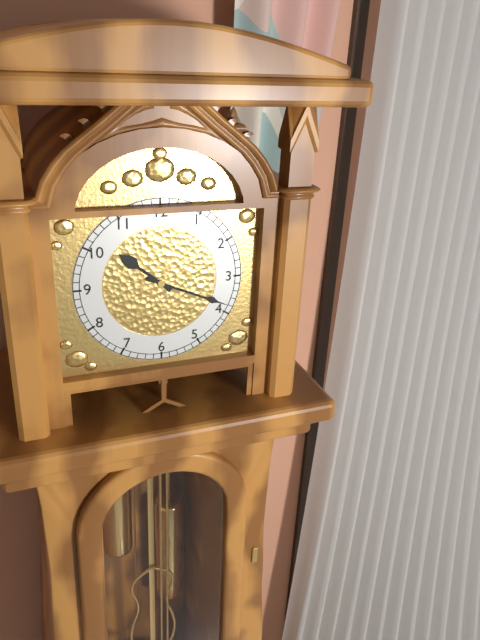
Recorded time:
{"hour": 10, "minute": 19}
